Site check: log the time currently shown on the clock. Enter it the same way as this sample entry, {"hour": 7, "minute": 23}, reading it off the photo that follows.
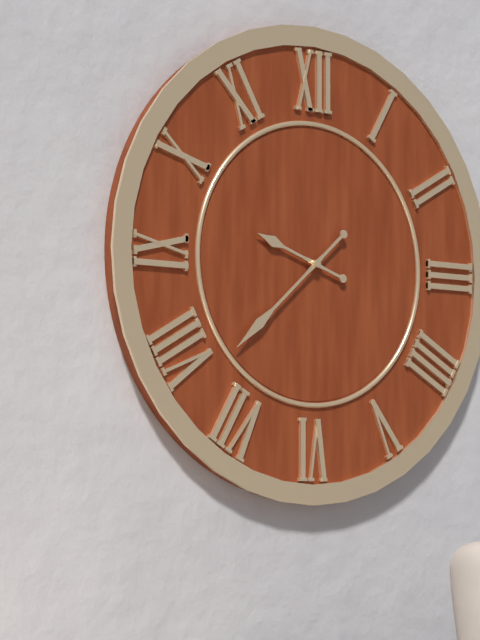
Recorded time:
{"hour": 9, "minute": 38}
